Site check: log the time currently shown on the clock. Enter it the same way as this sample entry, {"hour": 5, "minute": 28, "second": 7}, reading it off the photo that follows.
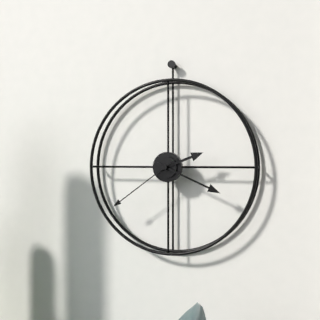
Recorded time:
{"hour": 2, "minute": 19, "second": 39}
